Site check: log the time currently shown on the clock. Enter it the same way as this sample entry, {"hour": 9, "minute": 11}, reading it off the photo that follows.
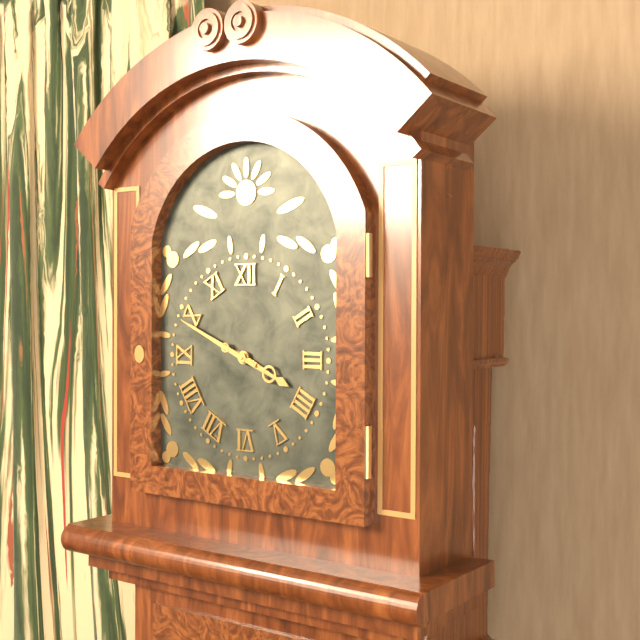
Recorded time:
{"hour": 3, "minute": 49}
